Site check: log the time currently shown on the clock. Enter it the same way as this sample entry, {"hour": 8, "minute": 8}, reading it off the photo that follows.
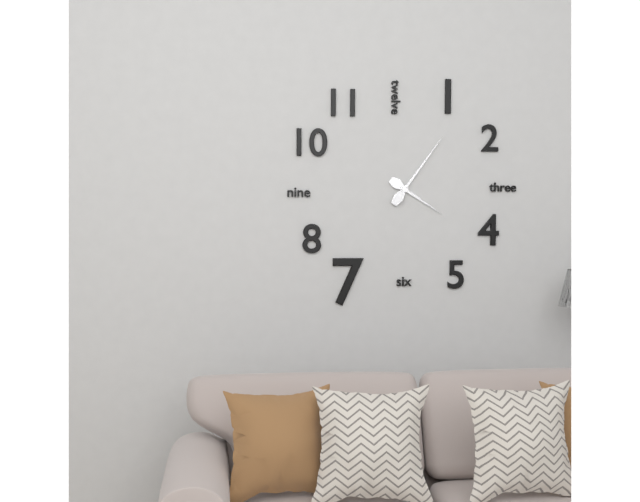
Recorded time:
{"hour": 4, "minute": 6}
